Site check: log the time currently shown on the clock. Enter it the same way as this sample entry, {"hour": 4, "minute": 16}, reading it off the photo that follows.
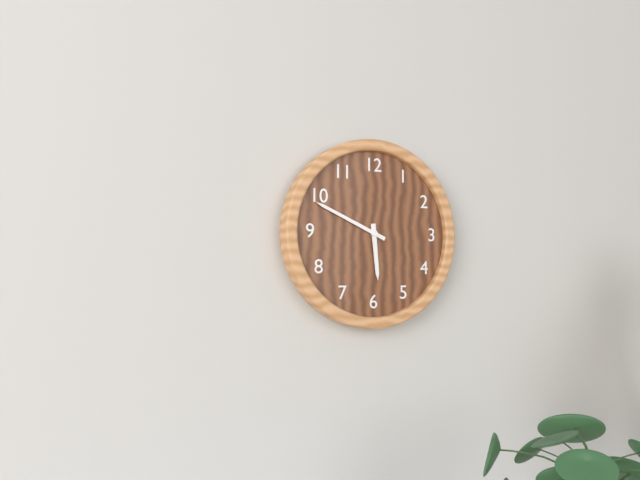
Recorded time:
{"hour": 5, "minute": 49}
